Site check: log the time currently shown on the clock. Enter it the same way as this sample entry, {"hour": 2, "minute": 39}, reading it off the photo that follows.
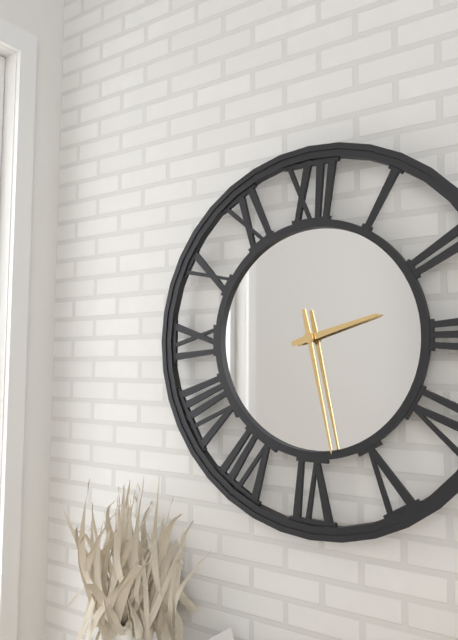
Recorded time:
{"hour": 2, "minute": 28}
